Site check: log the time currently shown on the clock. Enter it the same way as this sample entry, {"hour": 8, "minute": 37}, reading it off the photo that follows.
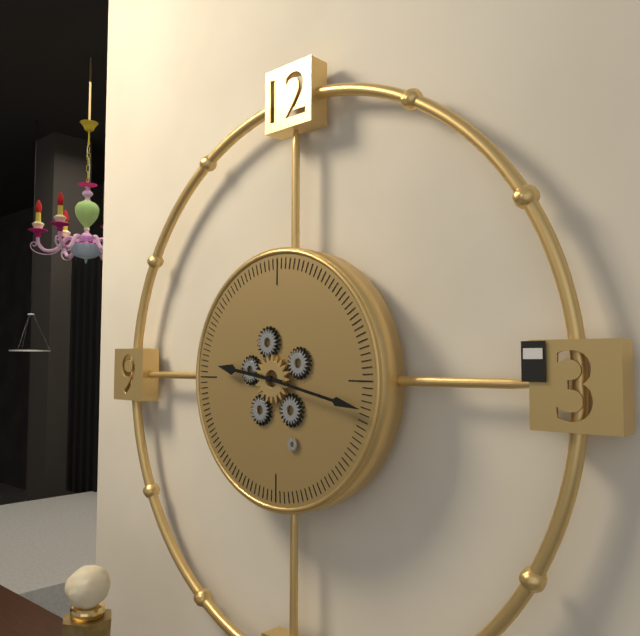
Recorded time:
{"hour": 9, "minute": 17}
